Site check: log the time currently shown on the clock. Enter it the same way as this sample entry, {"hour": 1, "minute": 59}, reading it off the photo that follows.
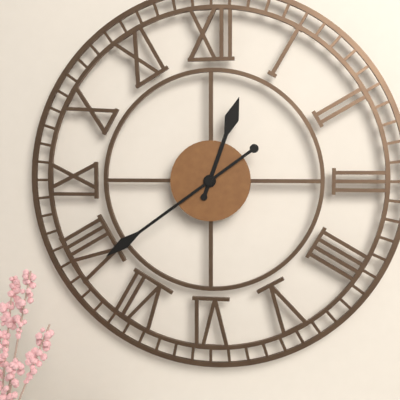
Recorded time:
{"hour": 12, "minute": 39}
